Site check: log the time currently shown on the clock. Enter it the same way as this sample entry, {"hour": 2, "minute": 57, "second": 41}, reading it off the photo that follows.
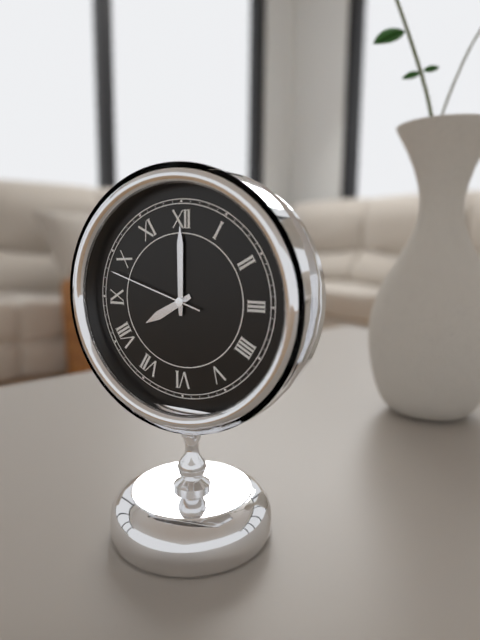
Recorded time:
{"hour": 8, "minute": 0, "second": 48}
